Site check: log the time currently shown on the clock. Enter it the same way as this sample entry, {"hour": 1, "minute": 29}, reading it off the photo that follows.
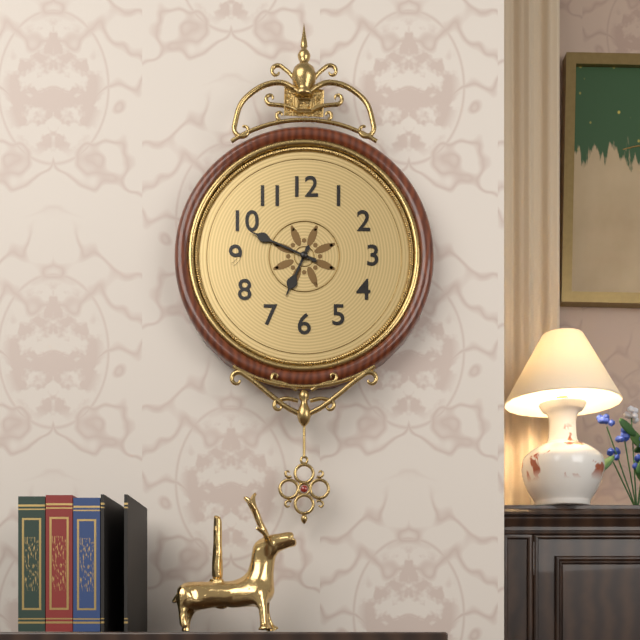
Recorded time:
{"hour": 6, "minute": 49}
